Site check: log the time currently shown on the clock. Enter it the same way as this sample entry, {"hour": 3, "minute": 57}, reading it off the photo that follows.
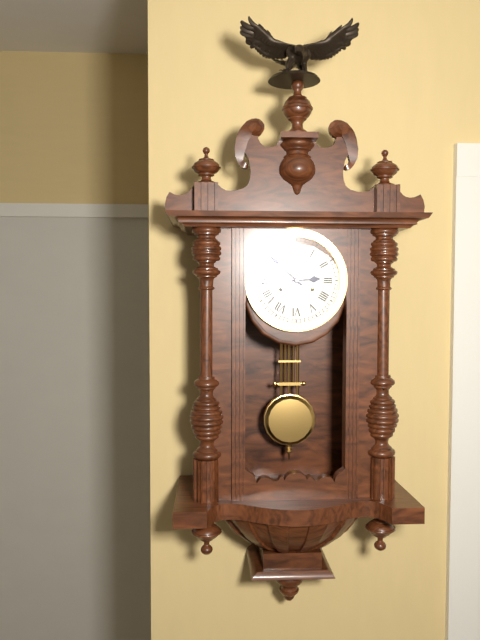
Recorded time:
{"hour": 2, "minute": 52}
